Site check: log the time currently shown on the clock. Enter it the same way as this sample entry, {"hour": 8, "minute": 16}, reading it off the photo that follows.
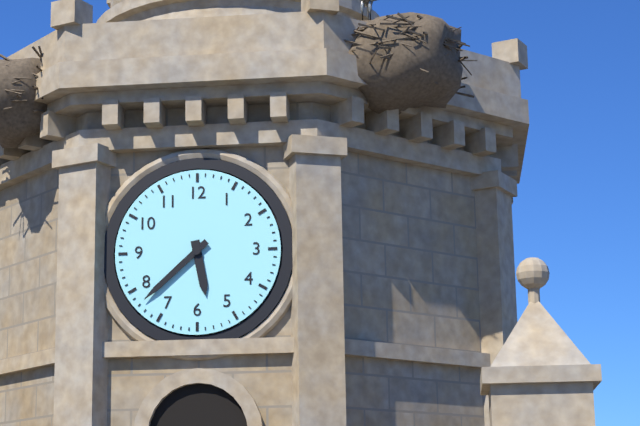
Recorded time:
{"hour": 5, "minute": 38}
